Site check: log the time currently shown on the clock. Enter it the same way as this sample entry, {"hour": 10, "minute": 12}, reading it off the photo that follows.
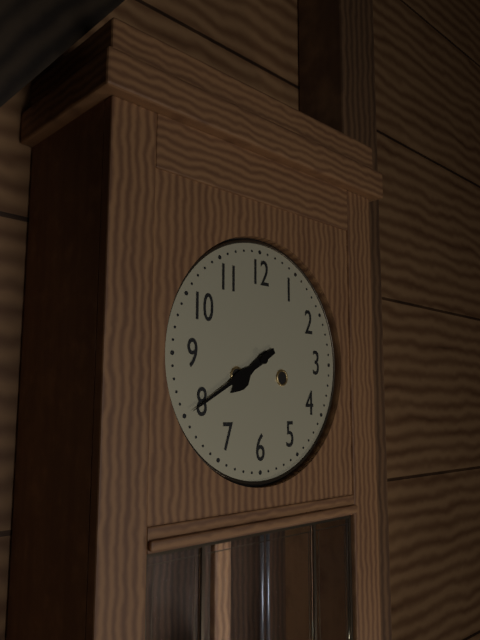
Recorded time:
{"hour": 7, "minute": 40}
